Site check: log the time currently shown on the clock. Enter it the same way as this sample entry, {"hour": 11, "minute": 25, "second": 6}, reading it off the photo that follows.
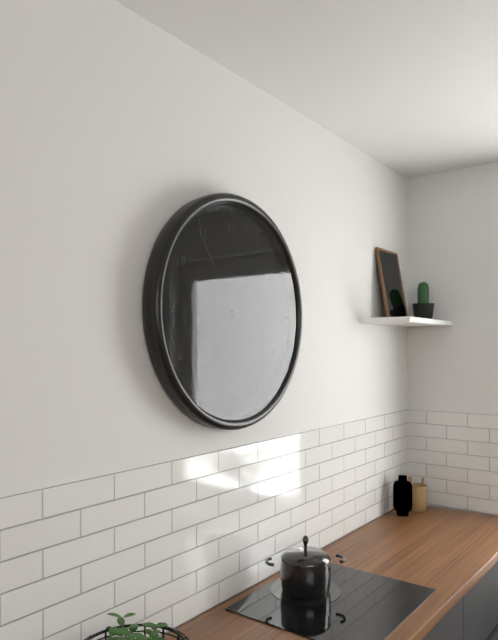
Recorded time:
{"hour": 5, "minute": 43, "second": 54}
